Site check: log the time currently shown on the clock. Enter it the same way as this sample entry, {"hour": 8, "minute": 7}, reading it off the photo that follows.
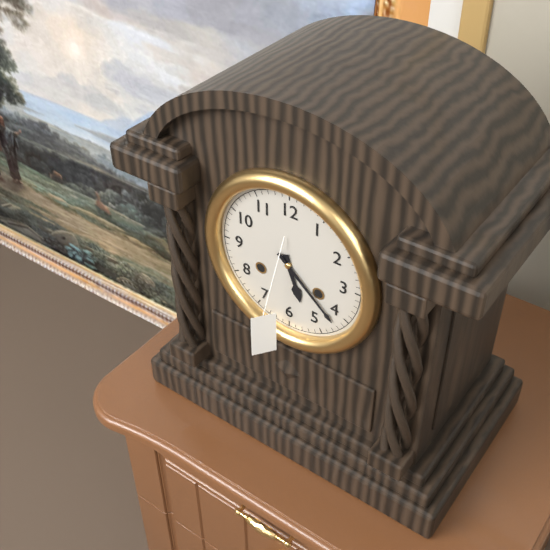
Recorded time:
{"hour": 5, "minute": 22}
